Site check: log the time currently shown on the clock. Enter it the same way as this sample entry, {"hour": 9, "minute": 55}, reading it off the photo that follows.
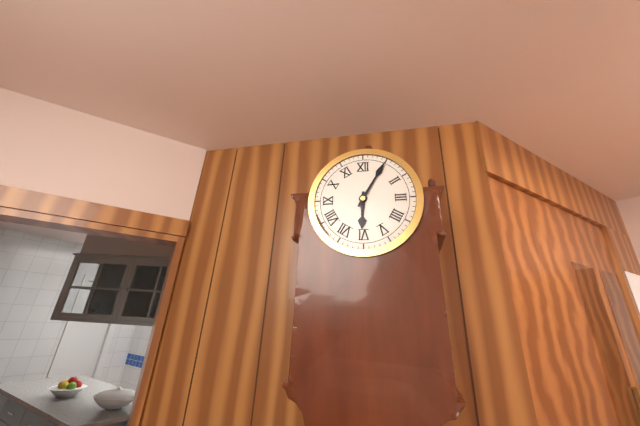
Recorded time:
{"hour": 6, "minute": 5}
